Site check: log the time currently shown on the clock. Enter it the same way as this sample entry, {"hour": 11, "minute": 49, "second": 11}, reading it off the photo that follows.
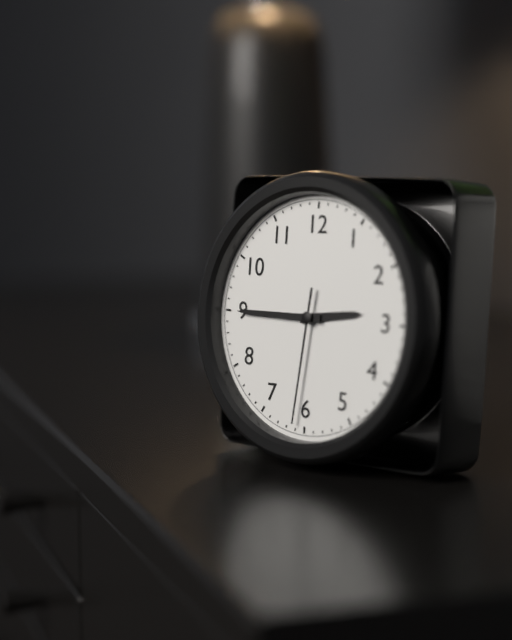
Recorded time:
{"hour": 2, "minute": 45, "second": 31}
